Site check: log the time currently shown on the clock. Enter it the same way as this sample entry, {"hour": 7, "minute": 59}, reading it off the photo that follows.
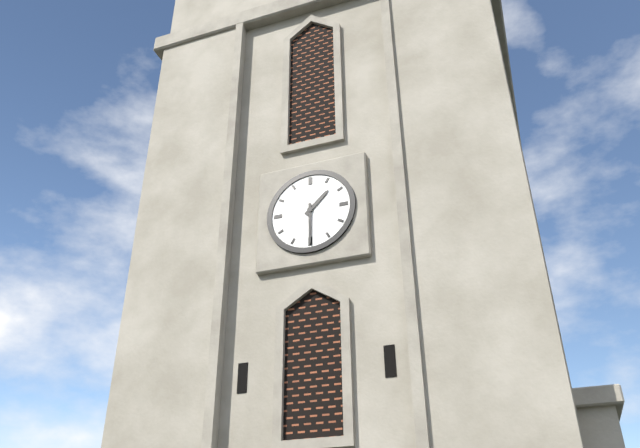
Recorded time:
{"hour": 1, "minute": 30}
